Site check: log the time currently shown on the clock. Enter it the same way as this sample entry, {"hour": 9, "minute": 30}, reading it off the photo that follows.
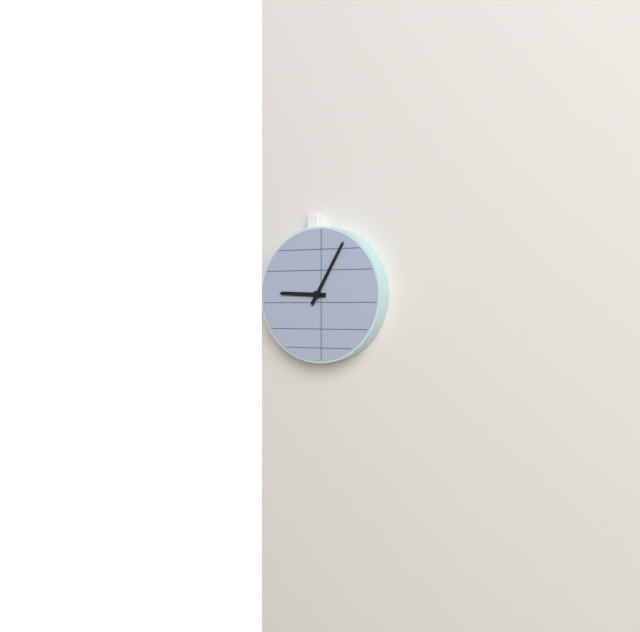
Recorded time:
{"hour": 9, "minute": 5}
